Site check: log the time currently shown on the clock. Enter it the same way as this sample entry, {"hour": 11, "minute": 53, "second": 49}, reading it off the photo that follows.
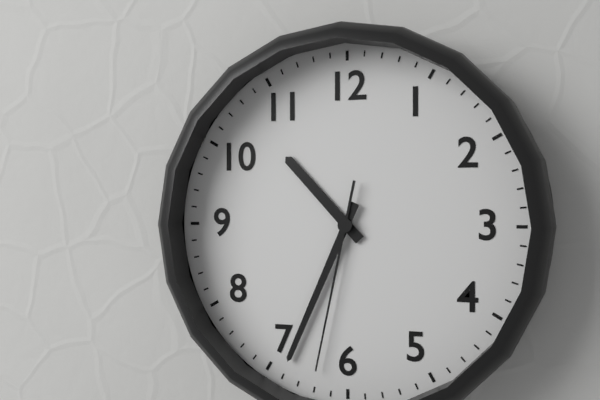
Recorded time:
{"hour": 10, "minute": 34, "second": 32}
